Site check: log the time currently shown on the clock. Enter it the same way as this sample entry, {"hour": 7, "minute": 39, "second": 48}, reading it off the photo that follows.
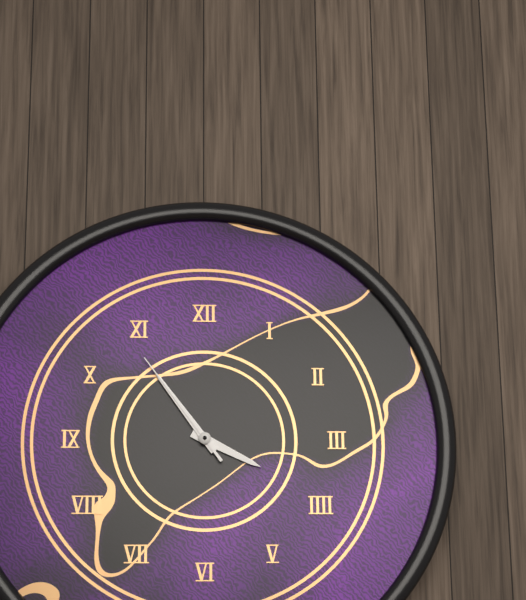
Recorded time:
{"hour": 3, "minute": 54, "second": 54}
